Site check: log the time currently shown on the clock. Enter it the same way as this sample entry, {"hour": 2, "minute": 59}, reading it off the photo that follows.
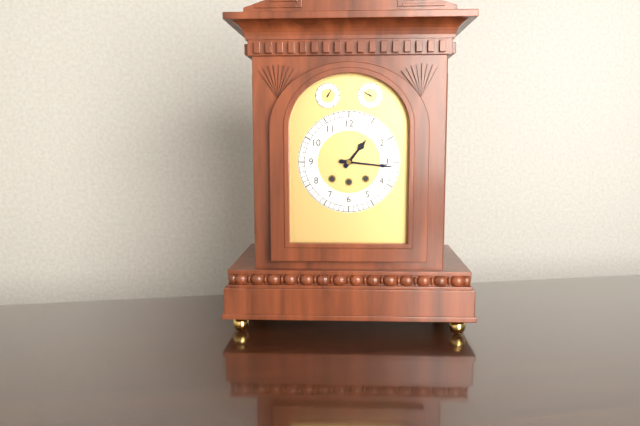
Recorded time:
{"hour": 1, "minute": 16}
